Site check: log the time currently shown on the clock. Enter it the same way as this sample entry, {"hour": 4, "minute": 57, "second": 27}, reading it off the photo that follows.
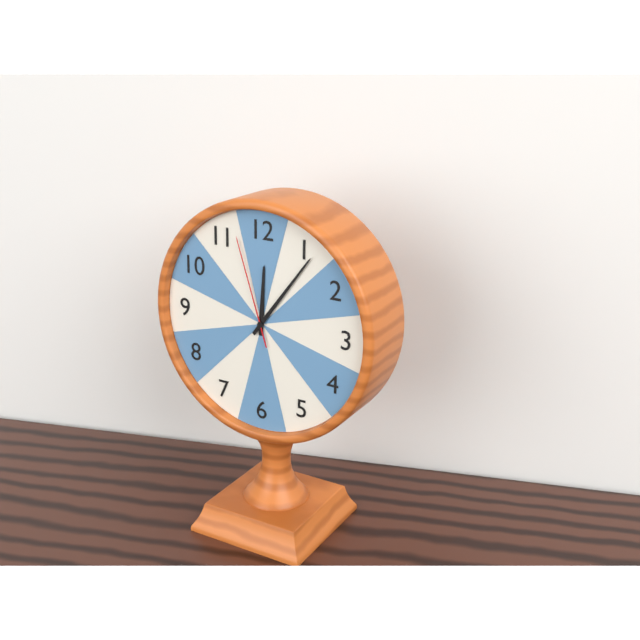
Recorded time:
{"hour": 12, "minute": 6, "second": 57}
